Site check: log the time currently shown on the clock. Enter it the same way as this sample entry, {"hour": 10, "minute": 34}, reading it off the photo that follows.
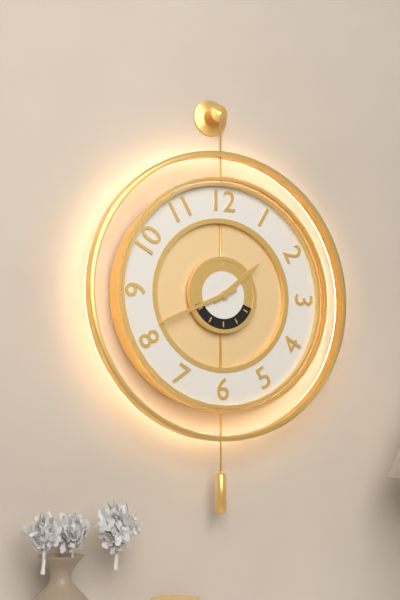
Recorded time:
{"hour": 1, "minute": 41}
